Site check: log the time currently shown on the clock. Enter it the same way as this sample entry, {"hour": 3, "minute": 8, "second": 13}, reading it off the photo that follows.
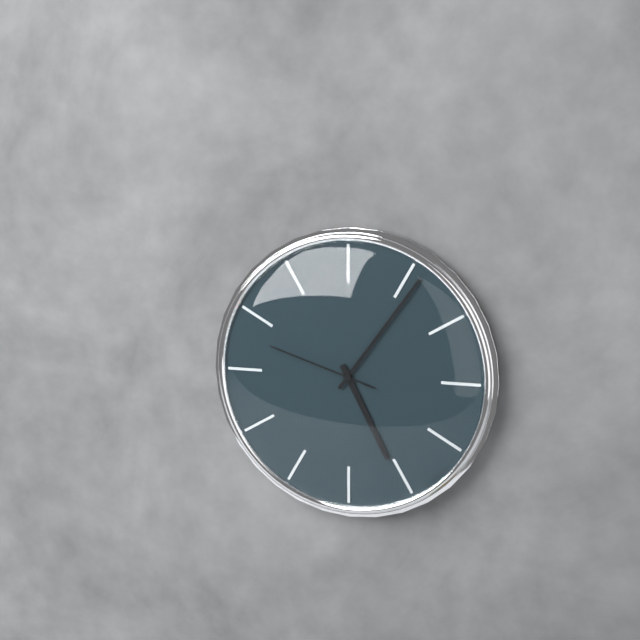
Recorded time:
{"hour": 5, "minute": 6, "second": 48}
